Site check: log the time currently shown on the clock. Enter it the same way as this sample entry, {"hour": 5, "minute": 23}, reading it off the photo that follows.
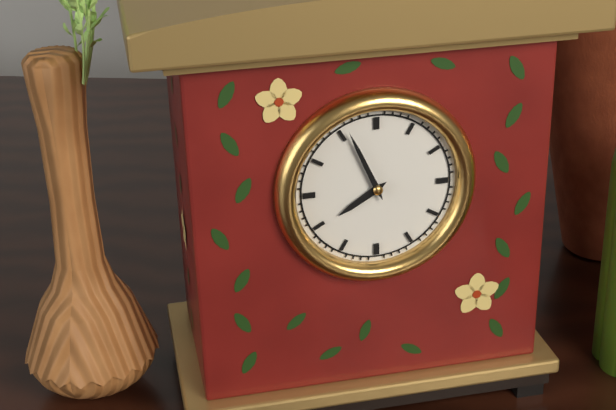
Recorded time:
{"hour": 7, "minute": 56}
